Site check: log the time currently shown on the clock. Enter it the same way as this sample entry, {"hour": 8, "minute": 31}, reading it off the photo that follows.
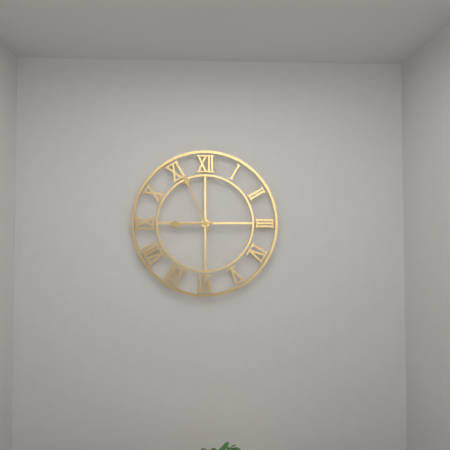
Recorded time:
{"hour": 8, "minute": 56}
